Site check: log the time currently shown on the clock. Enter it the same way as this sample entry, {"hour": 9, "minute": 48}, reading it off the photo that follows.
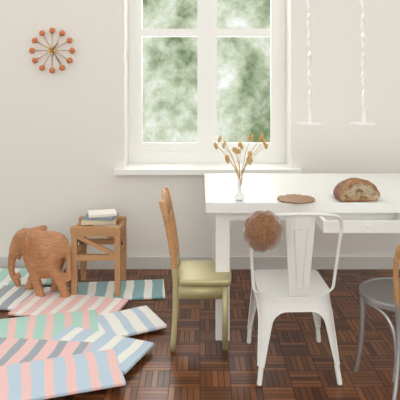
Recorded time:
{"hour": 1, "minute": 24}
